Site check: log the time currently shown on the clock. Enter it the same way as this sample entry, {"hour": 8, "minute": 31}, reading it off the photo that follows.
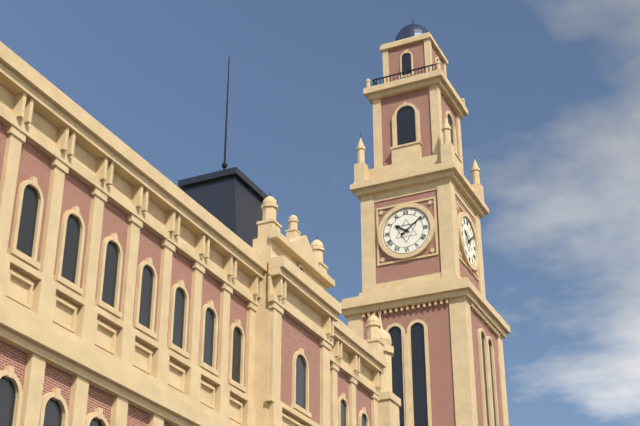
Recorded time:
{"hour": 10, "minute": 9}
